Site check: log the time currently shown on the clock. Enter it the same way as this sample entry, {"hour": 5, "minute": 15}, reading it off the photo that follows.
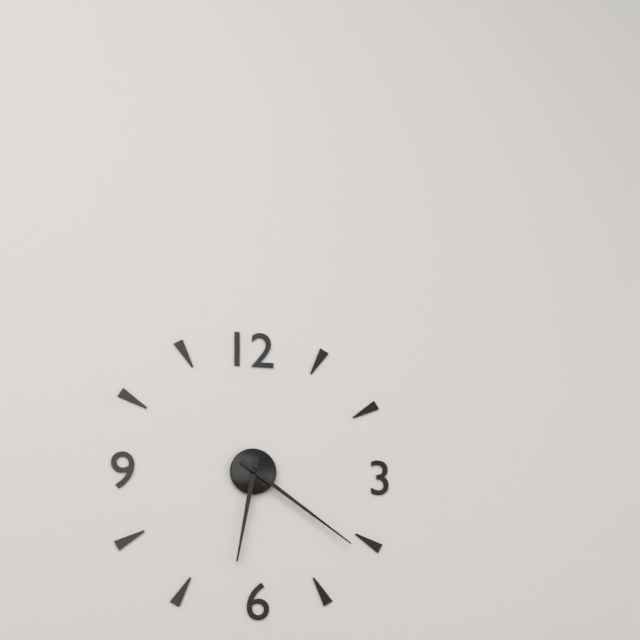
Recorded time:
{"hour": 6, "minute": 21}
